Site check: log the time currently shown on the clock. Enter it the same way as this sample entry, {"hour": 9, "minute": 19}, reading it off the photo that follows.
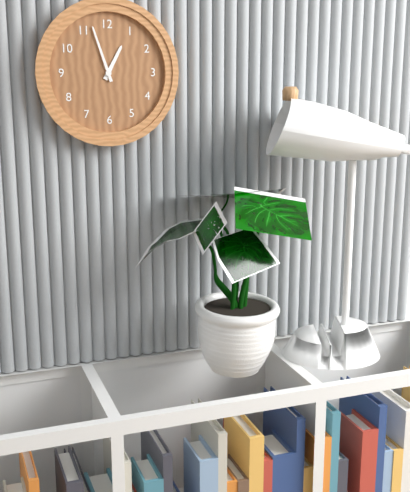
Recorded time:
{"hour": 12, "minute": 57}
